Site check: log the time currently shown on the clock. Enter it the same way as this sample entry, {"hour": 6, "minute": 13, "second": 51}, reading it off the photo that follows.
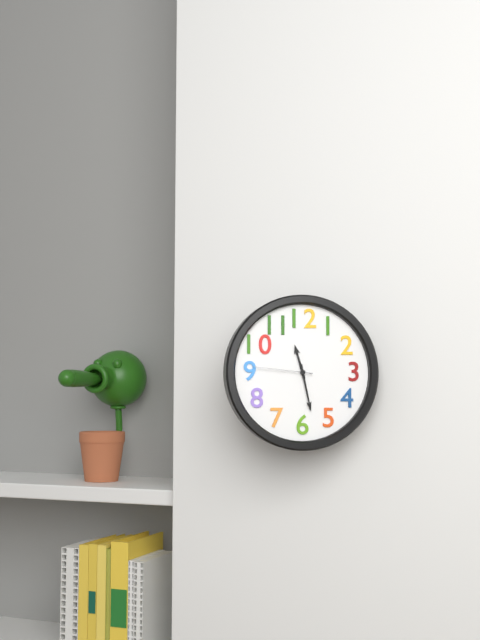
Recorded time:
{"hour": 11, "minute": 28, "second": 46}
